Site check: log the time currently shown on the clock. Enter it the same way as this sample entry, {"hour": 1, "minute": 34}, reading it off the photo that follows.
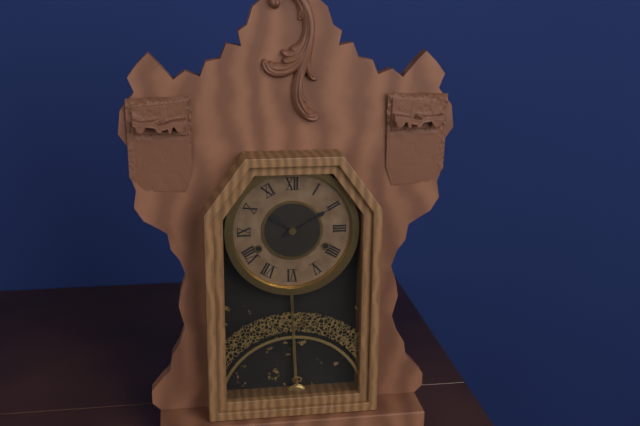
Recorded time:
{"hour": 10, "minute": 10}
